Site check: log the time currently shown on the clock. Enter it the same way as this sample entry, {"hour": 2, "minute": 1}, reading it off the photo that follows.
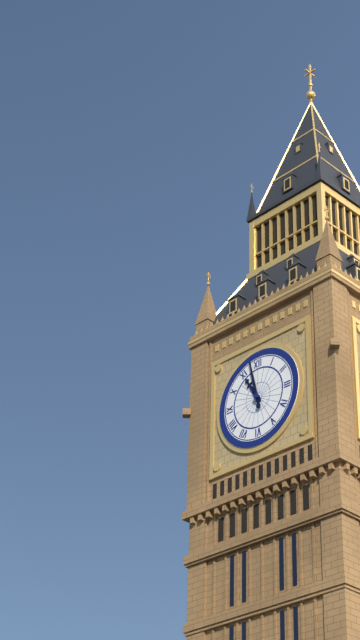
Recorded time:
{"hour": 10, "minute": 58}
